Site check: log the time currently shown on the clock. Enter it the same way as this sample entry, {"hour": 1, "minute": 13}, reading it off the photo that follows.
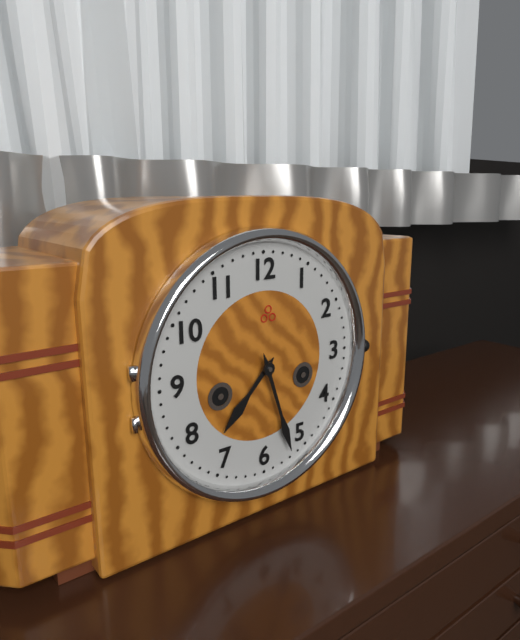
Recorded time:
{"hour": 7, "minute": 27}
